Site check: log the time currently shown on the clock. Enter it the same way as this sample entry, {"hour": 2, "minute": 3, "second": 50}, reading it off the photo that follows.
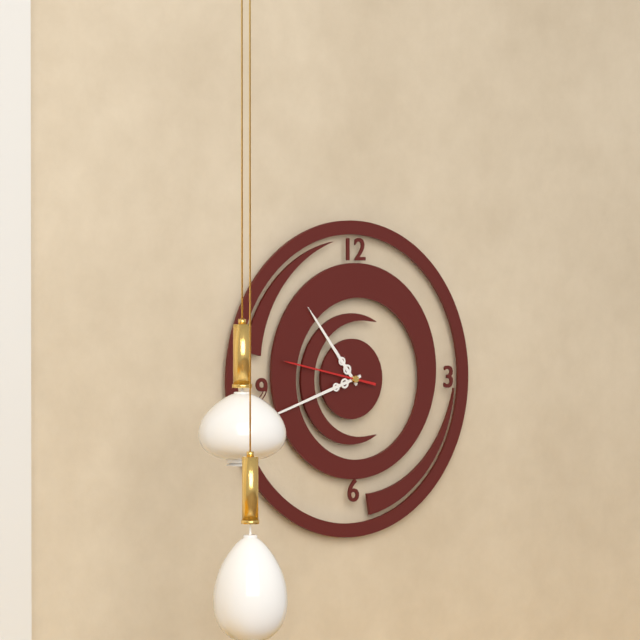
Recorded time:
{"hour": 10, "minute": 42, "second": 47}
